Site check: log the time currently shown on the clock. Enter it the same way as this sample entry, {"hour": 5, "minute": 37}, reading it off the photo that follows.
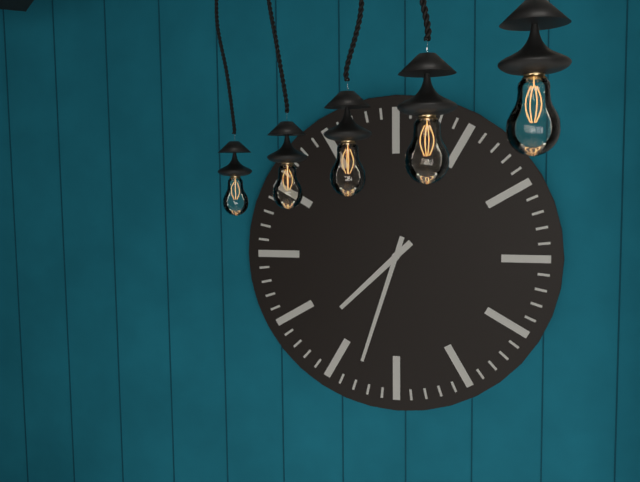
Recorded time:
{"hour": 7, "minute": 33}
